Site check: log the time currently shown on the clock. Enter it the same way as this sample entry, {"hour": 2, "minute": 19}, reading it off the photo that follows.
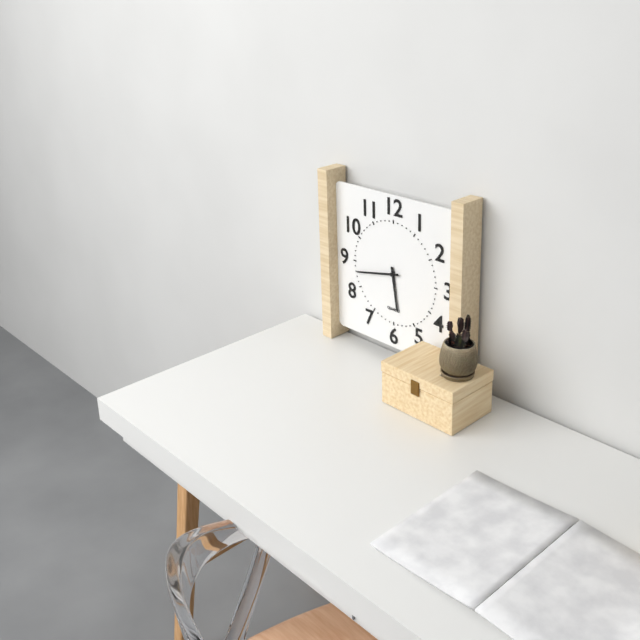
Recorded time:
{"hour": 5, "minute": 43}
